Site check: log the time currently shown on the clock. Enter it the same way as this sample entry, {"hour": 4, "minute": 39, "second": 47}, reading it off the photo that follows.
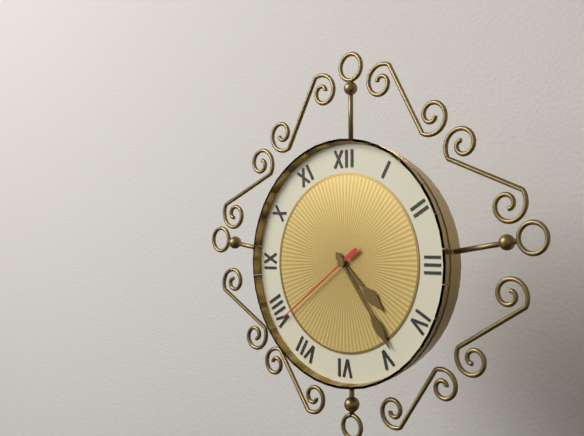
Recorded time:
{"hour": 4, "minute": 24, "second": 39}
